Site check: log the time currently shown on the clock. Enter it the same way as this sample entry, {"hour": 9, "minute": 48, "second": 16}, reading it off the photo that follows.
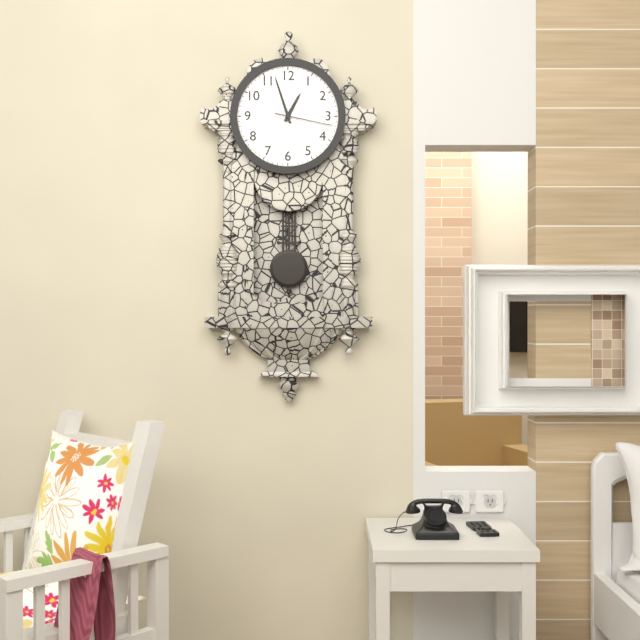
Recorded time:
{"hour": 12, "minute": 57, "second": 17}
